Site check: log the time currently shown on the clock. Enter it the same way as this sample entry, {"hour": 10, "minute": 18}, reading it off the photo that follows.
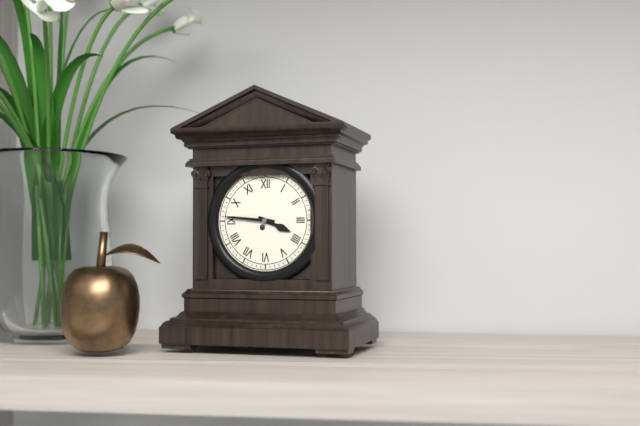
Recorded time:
{"hour": 3, "minute": 46}
